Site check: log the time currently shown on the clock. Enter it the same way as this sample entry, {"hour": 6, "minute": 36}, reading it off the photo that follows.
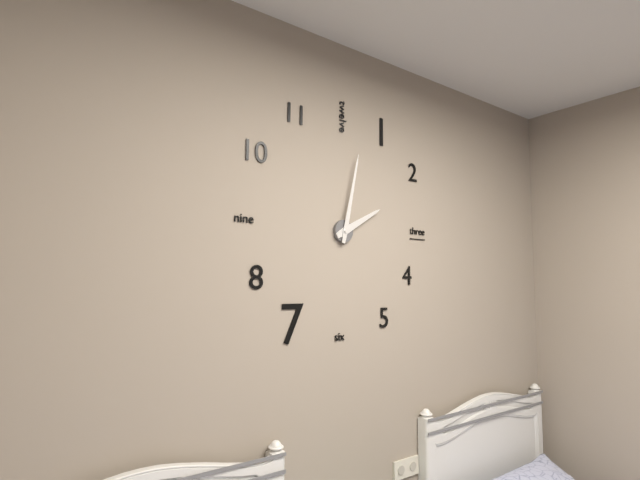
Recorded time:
{"hour": 2, "minute": 2}
